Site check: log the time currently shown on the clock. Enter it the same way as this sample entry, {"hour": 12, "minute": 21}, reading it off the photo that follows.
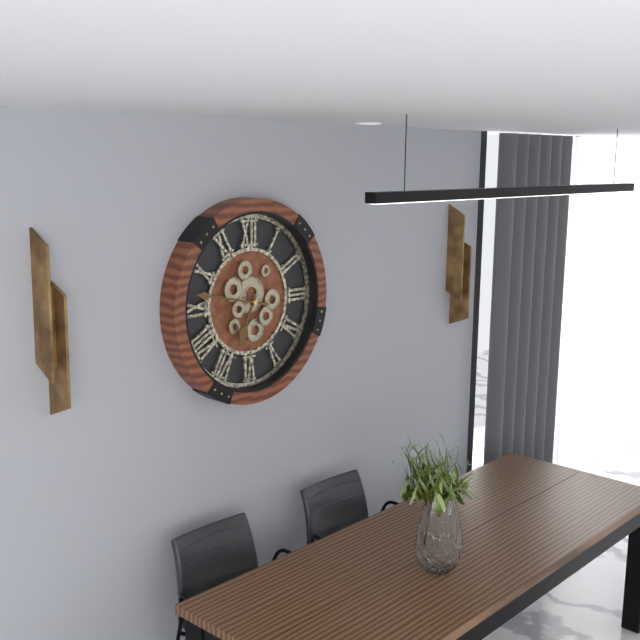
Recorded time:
{"hour": 6, "minute": 47}
